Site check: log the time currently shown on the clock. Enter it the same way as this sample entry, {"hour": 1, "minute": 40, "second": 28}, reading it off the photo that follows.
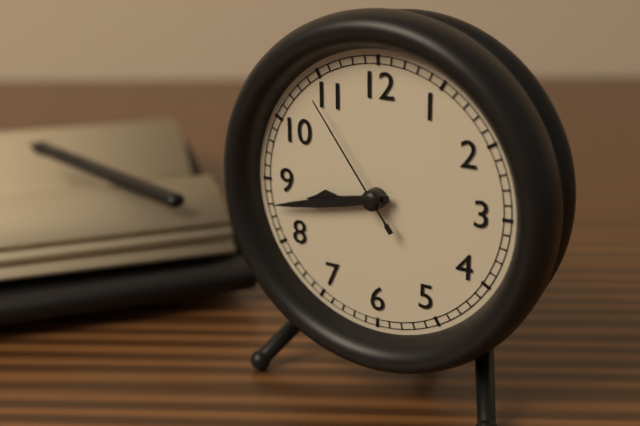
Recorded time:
{"hour": 8, "minute": 43, "second": 54}
